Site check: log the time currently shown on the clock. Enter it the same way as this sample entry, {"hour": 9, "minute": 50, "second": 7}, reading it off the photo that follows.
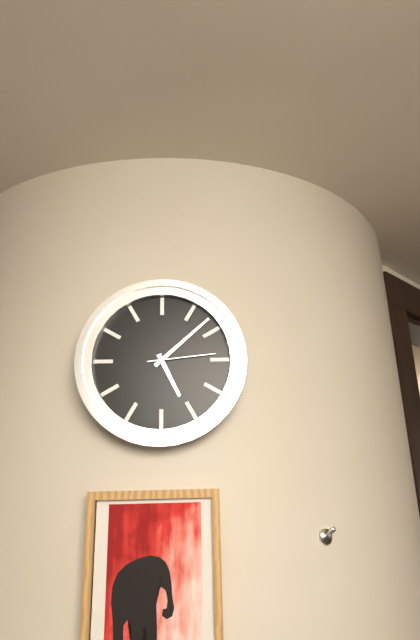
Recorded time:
{"hour": 5, "minute": 8, "second": 14}
